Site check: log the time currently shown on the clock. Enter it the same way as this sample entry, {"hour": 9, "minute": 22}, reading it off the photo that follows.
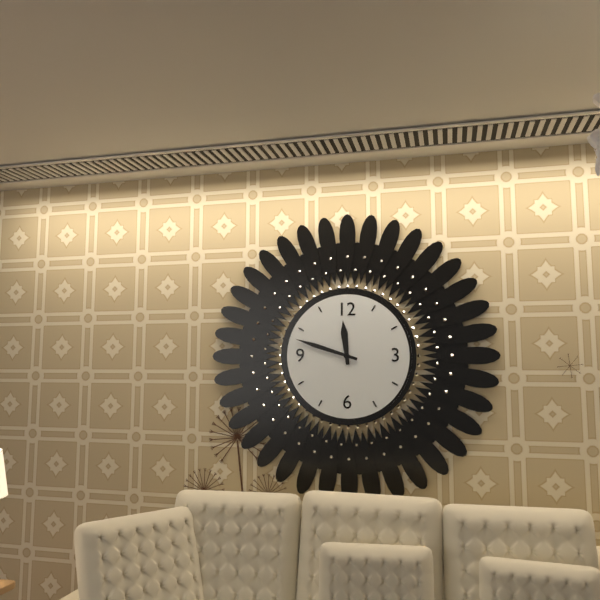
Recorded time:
{"hour": 11, "minute": 48}
